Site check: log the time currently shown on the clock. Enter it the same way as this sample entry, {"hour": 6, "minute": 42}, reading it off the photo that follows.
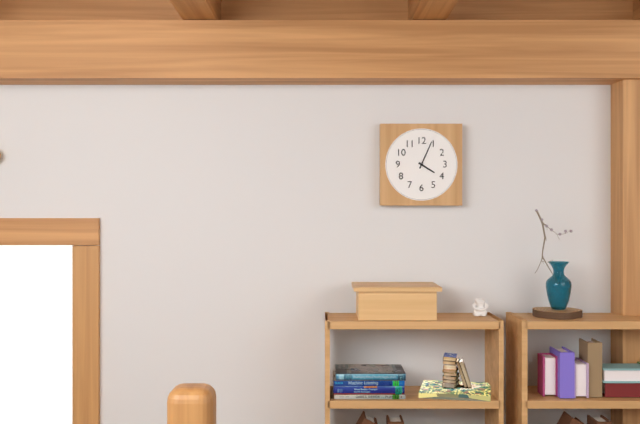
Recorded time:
{"hour": 4, "minute": 4}
